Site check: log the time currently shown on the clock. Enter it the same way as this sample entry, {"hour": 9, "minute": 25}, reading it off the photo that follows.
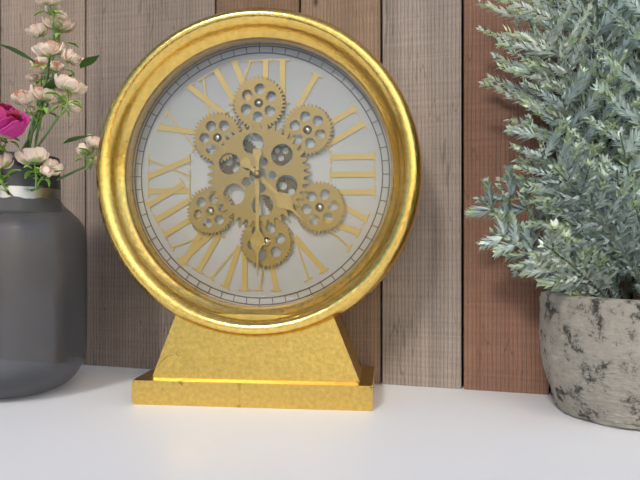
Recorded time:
{"hour": 4, "minute": 30}
